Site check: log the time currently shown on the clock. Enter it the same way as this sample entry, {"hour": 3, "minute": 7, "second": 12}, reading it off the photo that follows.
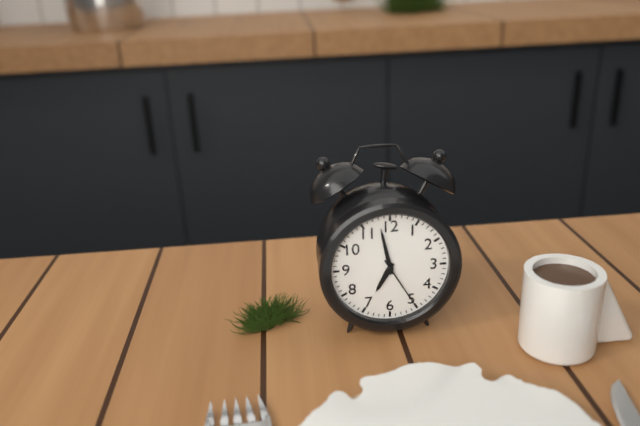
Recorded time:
{"hour": 6, "minute": 58, "second": 25}
